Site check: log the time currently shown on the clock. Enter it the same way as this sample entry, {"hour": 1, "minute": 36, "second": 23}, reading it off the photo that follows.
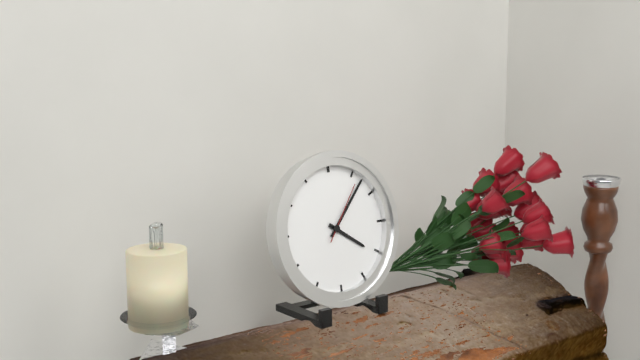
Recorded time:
{"hour": 4, "minute": 7, "second": 6}
